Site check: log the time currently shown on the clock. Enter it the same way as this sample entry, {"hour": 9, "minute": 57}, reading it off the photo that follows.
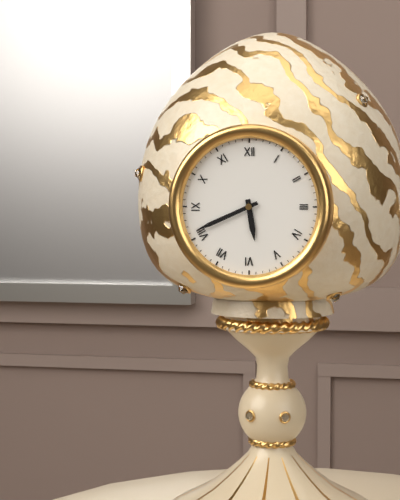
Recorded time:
{"hour": 5, "minute": 41}
